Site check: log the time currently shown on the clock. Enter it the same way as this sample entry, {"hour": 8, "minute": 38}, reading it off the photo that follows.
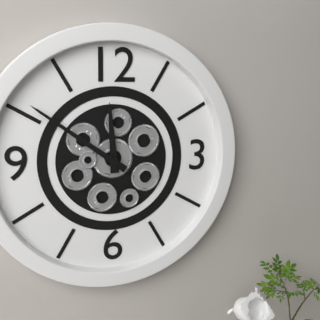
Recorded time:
{"hour": 11, "minute": 51}
